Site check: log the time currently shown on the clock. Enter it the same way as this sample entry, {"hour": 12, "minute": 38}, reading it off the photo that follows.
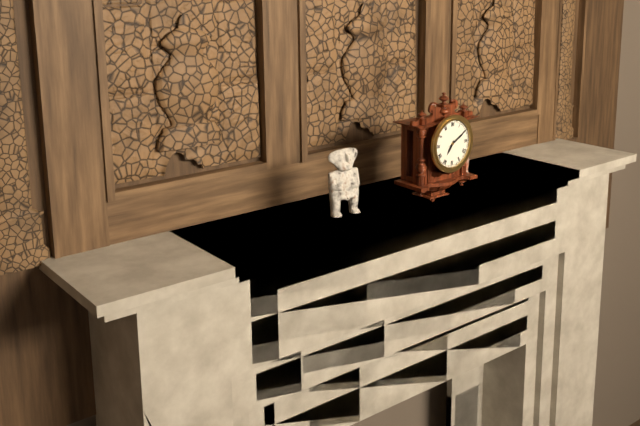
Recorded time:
{"hour": 7, "minute": 10}
